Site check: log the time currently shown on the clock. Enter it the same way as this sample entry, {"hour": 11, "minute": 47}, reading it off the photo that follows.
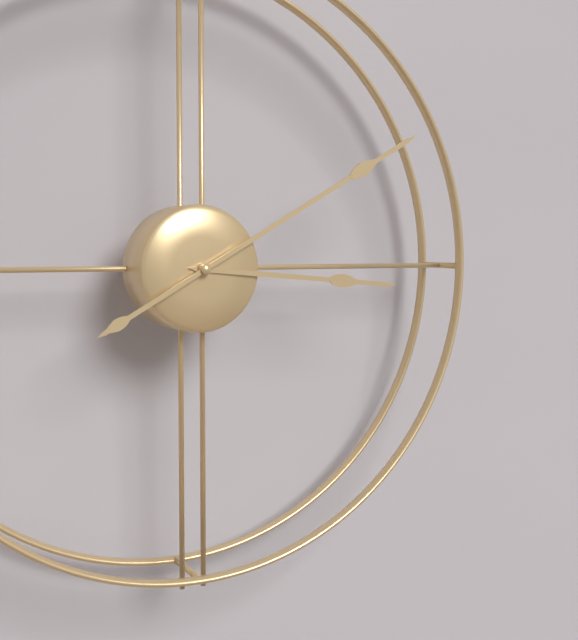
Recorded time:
{"hour": 3, "minute": 10}
